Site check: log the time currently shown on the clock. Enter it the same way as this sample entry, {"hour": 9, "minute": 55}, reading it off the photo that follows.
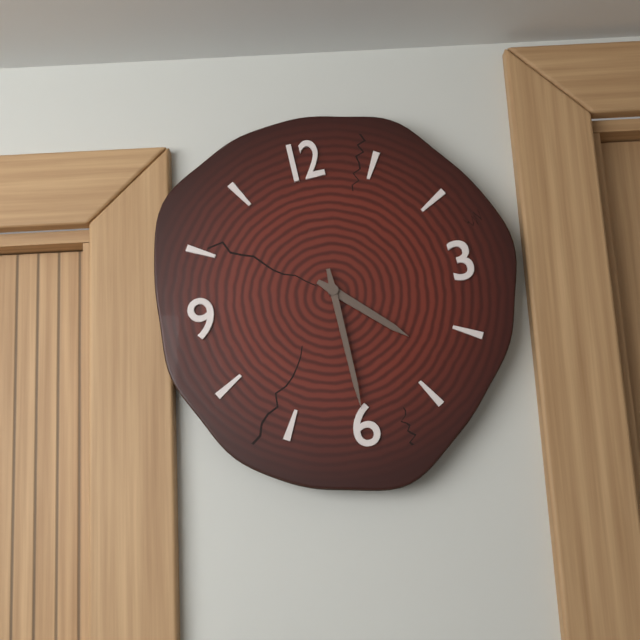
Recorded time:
{"hour": 4, "minute": 30}
